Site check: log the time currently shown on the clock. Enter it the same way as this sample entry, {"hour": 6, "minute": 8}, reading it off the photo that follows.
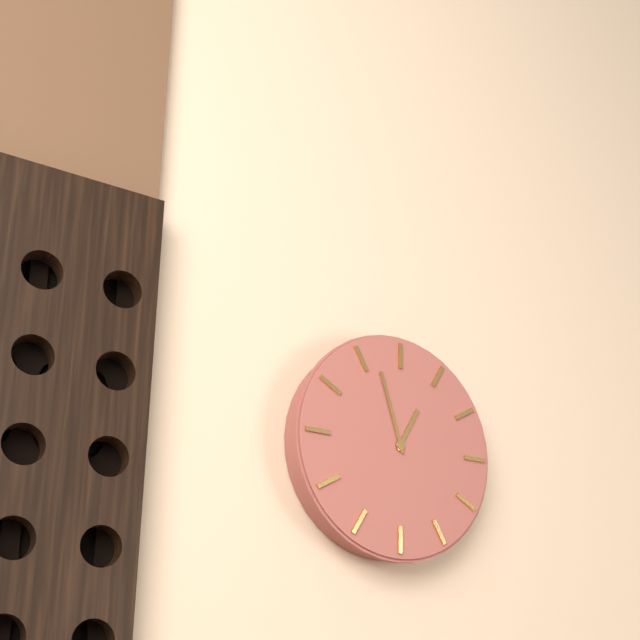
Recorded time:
{"hour": 12, "minute": 57}
